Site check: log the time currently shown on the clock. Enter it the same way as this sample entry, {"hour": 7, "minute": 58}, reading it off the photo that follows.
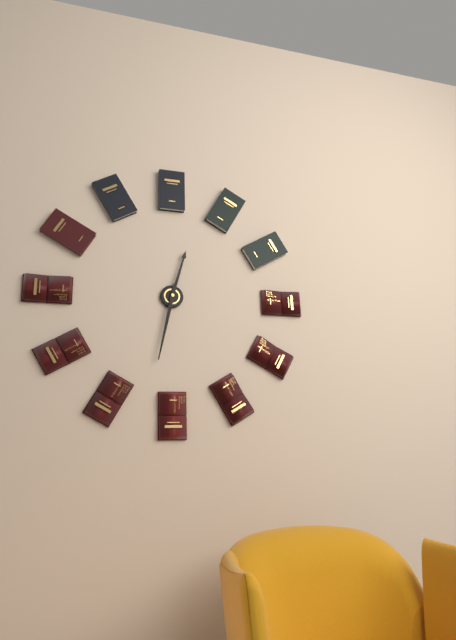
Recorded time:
{"hour": 12, "minute": 32}
